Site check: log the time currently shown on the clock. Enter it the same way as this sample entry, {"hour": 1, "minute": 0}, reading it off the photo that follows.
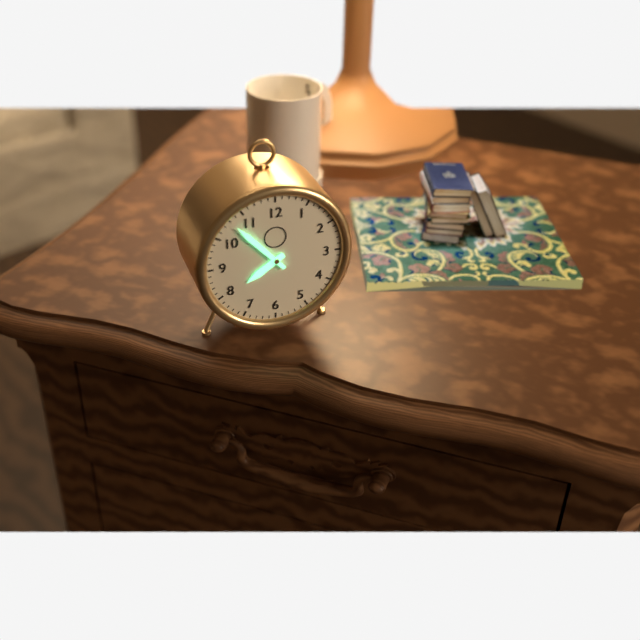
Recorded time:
{"hour": 7, "minute": 53}
